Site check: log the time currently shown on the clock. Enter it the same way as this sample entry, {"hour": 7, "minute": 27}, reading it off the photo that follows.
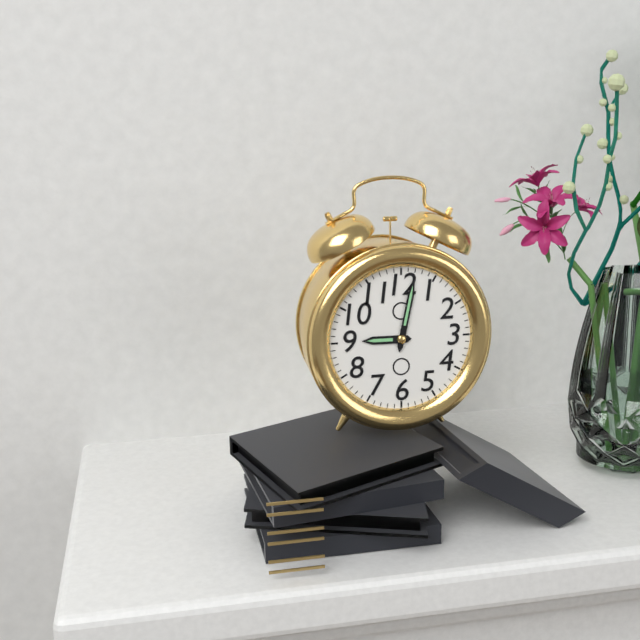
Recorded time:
{"hour": 9, "minute": 2}
